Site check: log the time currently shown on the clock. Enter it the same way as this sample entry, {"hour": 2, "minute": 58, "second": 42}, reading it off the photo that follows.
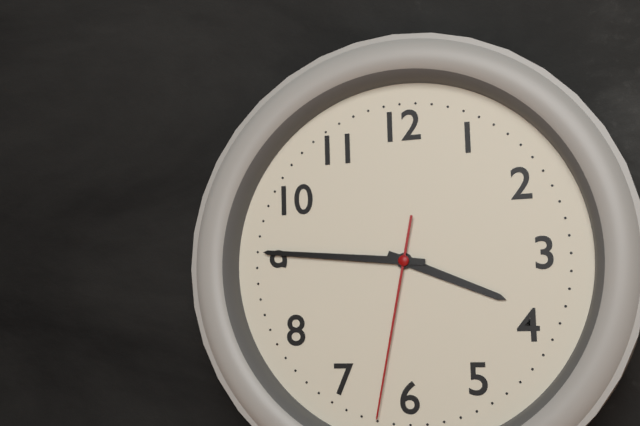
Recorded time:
{"hour": 3, "minute": 46, "second": 32}
